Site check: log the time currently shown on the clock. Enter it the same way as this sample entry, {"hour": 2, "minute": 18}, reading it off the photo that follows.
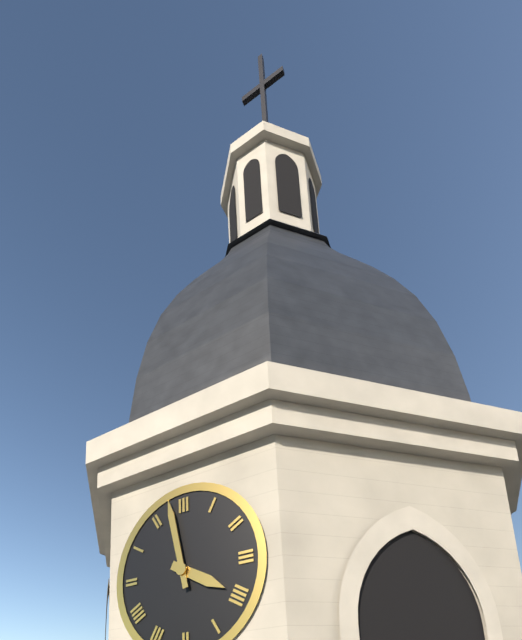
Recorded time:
{"hour": 3, "minute": 58}
